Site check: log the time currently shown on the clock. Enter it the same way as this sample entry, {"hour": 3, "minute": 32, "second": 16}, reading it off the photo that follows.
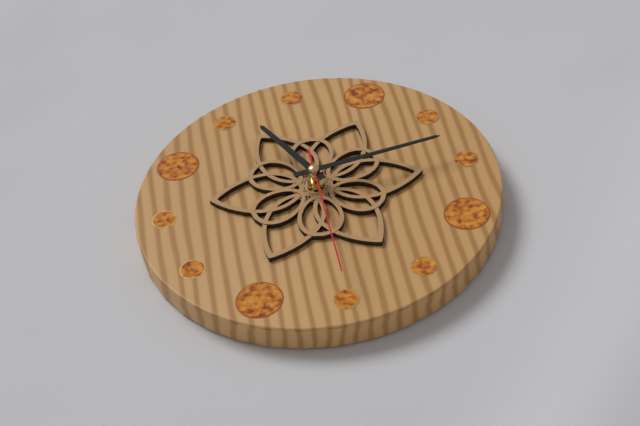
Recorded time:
{"hour": 10, "minute": 9, "second": 25}
